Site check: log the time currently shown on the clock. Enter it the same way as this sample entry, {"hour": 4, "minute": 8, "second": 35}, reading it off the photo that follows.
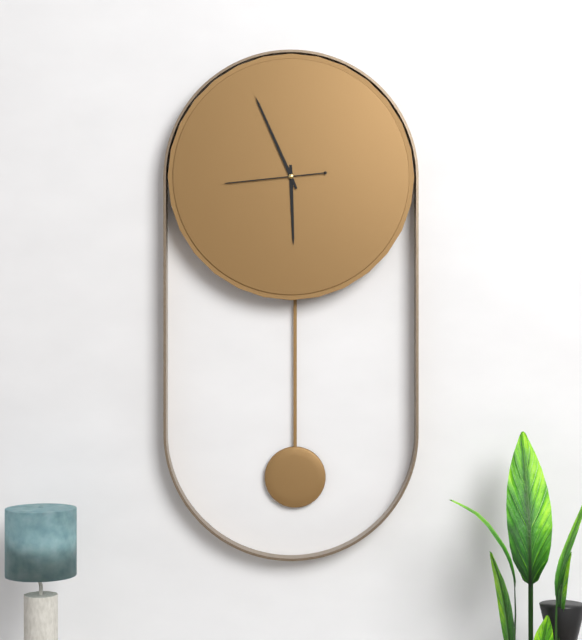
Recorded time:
{"hour": 5, "minute": 56, "second": 44}
